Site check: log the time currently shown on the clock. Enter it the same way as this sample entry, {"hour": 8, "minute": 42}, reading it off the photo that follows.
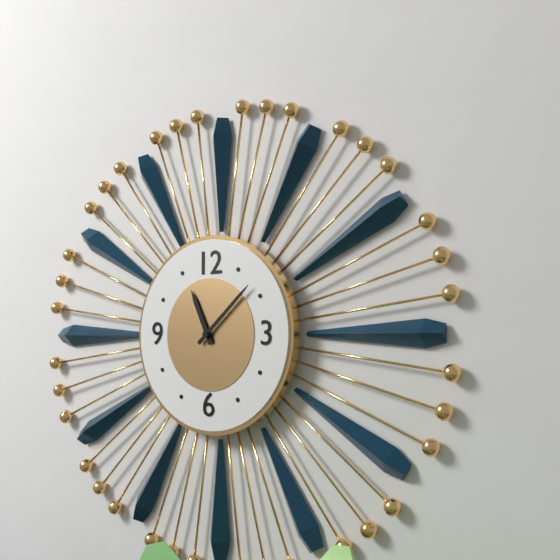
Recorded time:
{"hour": 11, "minute": 8}
